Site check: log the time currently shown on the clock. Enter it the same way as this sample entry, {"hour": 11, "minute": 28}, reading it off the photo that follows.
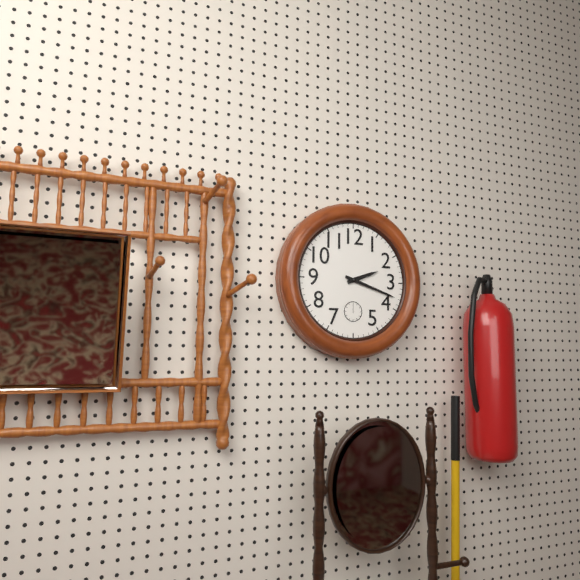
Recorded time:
{"hour": 2, "minute": 18}
